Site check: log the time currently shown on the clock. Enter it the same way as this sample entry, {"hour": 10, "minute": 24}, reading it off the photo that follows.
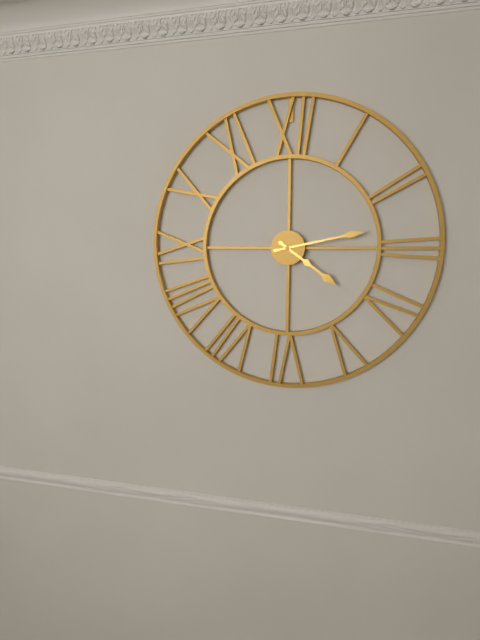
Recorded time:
{"hour": 4, "minute": 13}
